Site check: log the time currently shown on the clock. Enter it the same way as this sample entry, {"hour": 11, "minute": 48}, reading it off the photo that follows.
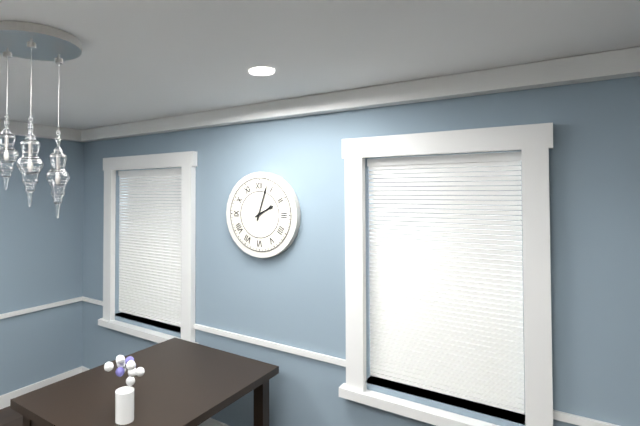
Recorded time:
{"hour": 2, "minute": 3}
